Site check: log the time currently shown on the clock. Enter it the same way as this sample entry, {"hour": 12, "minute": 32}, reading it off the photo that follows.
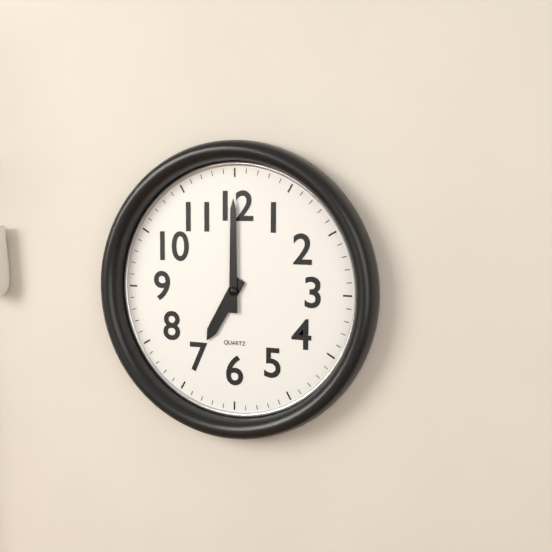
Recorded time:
{"hour": 7, "minute": 0}
